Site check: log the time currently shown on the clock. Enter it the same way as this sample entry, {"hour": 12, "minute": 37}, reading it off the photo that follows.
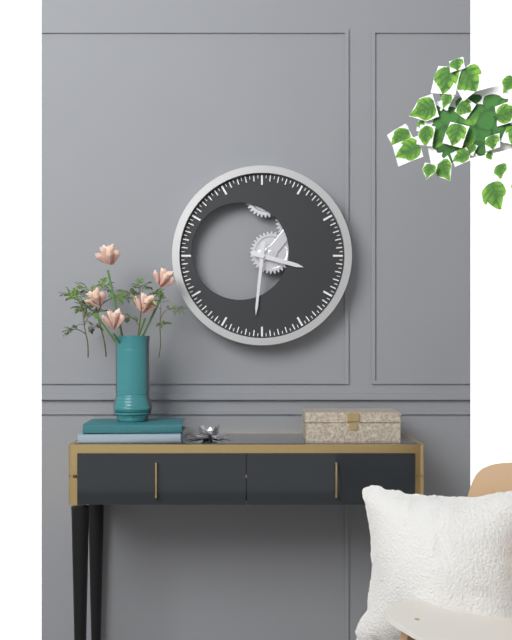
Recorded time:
{"hour": 3, "minute": 31}
